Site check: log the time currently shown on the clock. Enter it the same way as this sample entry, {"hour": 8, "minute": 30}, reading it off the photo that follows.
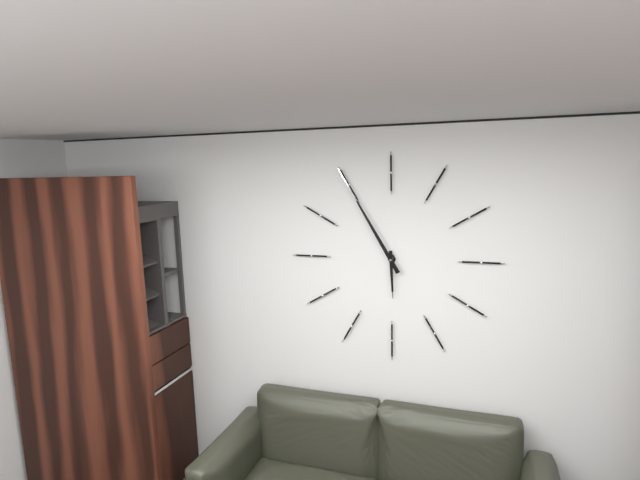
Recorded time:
{"hour": 5, "minute": 55}
